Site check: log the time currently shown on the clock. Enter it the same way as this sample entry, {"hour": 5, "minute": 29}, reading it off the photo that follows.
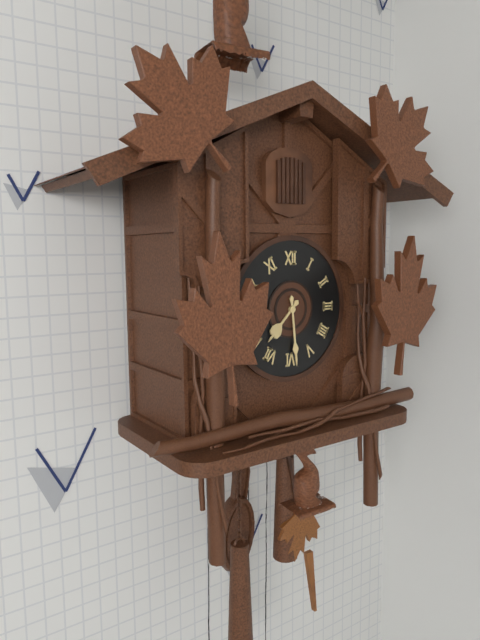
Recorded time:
{"hour": 7, "minute": 29}
